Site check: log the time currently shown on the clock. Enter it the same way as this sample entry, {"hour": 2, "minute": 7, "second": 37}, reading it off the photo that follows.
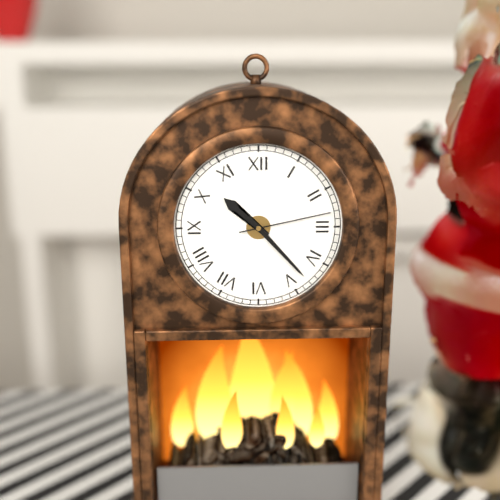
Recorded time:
{"hour": 10, "minute": 23, "second": 13}
